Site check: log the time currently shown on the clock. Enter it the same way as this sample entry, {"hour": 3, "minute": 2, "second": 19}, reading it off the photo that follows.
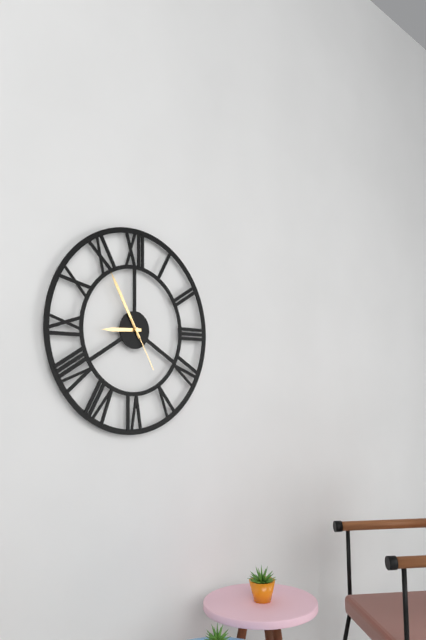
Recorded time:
{"hour": 8, "minute": 55, "second": 25}
